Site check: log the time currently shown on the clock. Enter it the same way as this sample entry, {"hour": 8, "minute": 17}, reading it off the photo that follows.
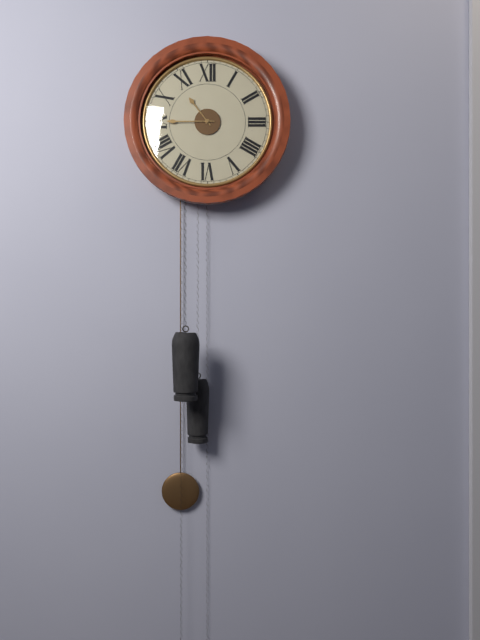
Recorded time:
{"hour": 10, "minute": 45}
